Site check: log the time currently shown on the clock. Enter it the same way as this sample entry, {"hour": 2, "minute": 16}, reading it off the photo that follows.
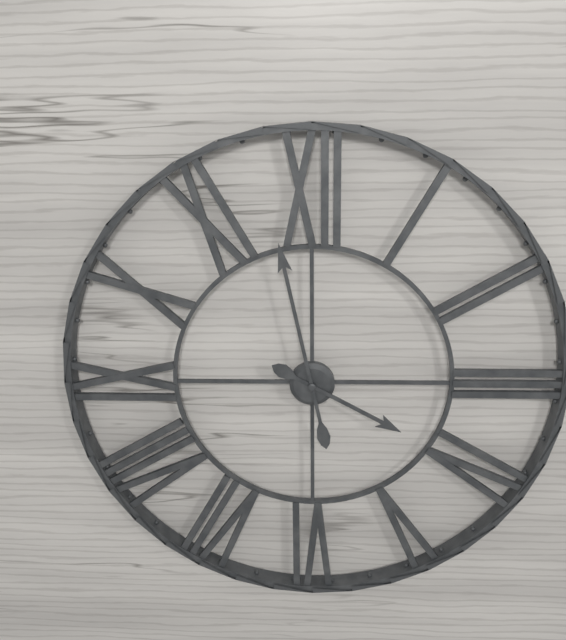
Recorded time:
{"hour": 3, "minute": 58}
